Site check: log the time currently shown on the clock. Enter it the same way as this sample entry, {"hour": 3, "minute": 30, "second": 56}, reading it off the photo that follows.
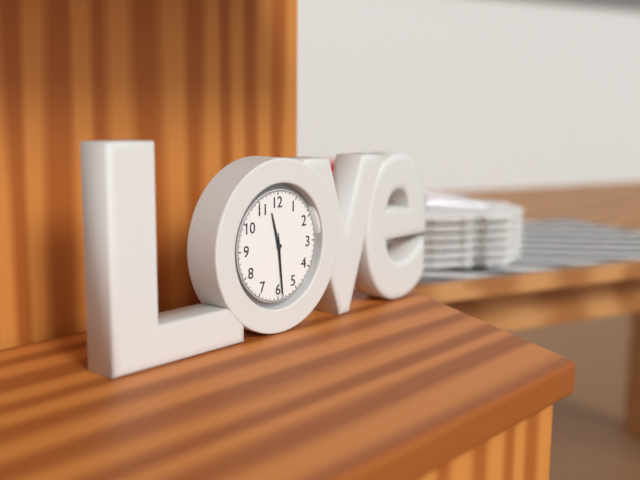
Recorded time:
{"hour": 11, "minute": 29, "second": 29}
